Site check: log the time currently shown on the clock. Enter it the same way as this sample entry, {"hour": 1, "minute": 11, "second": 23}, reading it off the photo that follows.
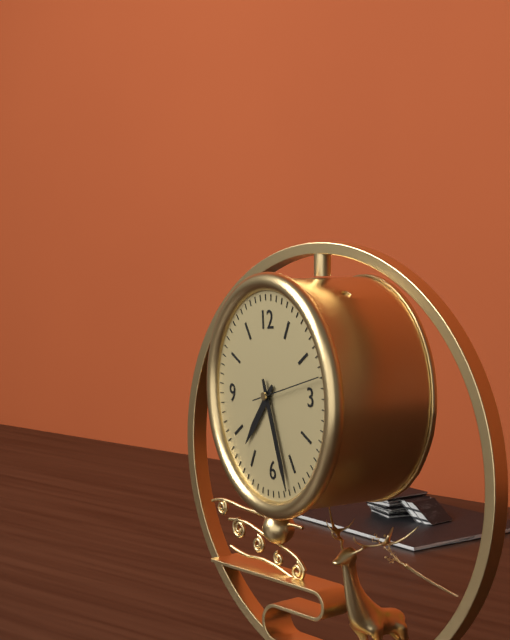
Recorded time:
{"hour": 7, "minute": 27, "second": 13}
